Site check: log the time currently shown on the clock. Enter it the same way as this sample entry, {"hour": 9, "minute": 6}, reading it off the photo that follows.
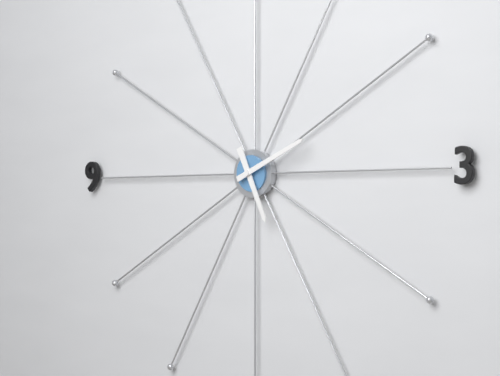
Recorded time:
{"hour": 5, "minute": 11}
